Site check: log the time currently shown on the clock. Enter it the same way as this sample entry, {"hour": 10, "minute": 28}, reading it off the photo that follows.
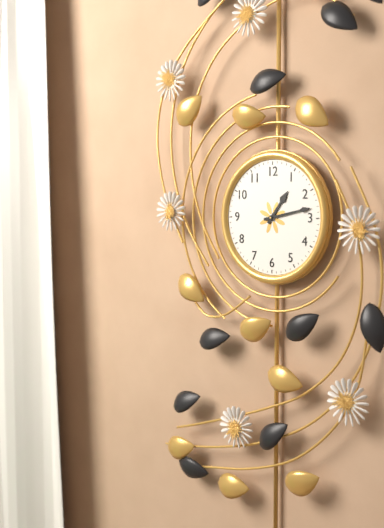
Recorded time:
{"hour": 1, "minute": 13}
